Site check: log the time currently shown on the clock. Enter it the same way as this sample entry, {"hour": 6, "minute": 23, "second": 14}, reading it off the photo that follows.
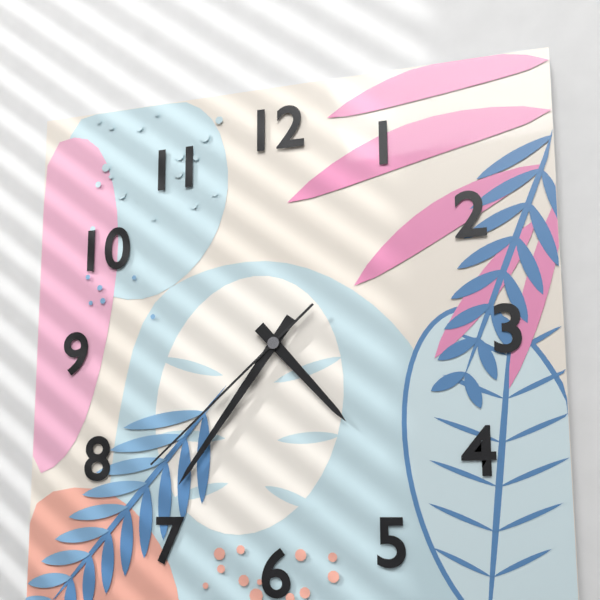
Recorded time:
{"hour": 4, "minute": 36, "second": 38}
